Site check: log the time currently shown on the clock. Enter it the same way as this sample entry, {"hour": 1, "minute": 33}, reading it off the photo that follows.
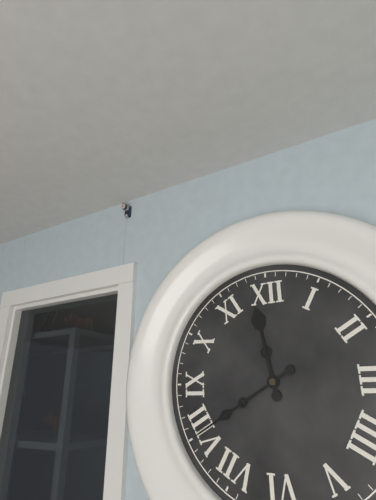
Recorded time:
{"hour": 11, "minute": 40}
